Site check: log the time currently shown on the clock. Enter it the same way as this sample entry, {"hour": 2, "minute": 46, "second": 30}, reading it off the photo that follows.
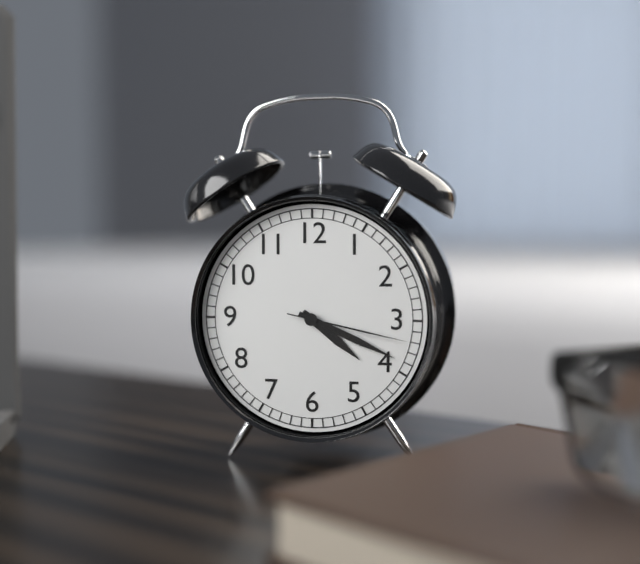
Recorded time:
{"hour": 4, "minute": 19, "second": 17}
